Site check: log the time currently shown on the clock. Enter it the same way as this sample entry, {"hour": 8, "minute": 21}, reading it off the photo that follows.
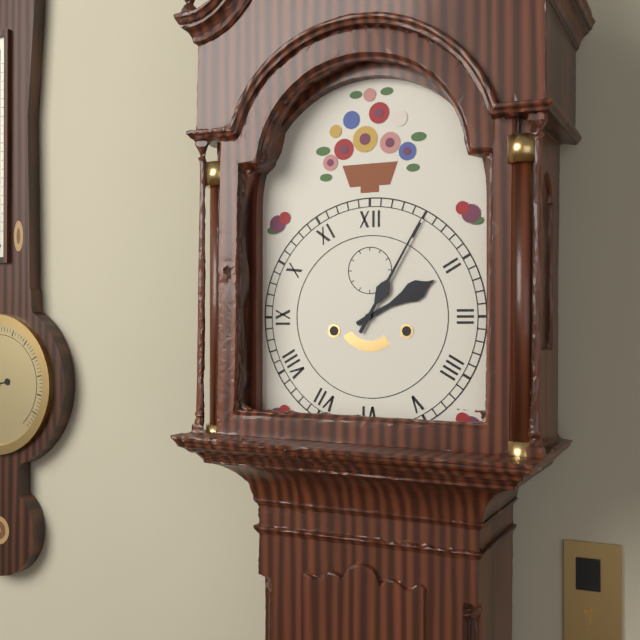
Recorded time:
{"hour": 2, "minute": 5}
